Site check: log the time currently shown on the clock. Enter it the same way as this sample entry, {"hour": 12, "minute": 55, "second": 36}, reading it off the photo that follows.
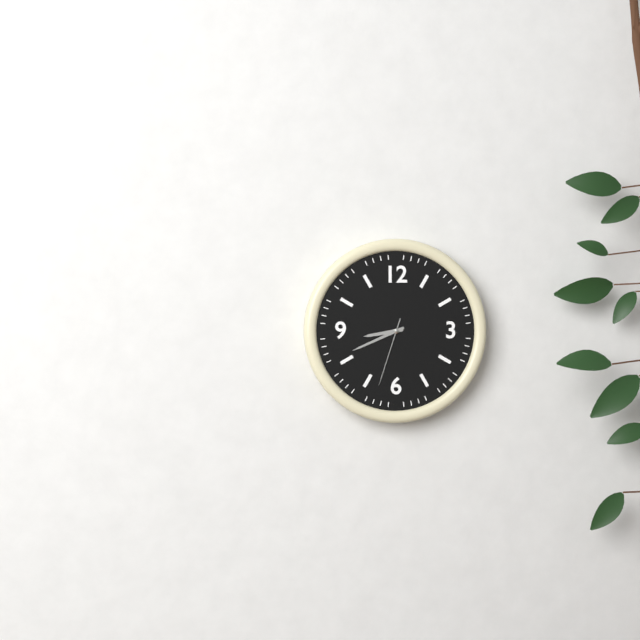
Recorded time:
{"hour": 8, "minute": 41, "second": 33}
